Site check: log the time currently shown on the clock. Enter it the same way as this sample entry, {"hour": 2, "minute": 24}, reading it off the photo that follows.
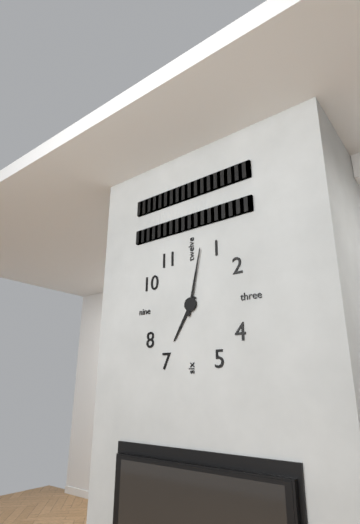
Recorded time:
{"hour": 7, "minute": 2}
